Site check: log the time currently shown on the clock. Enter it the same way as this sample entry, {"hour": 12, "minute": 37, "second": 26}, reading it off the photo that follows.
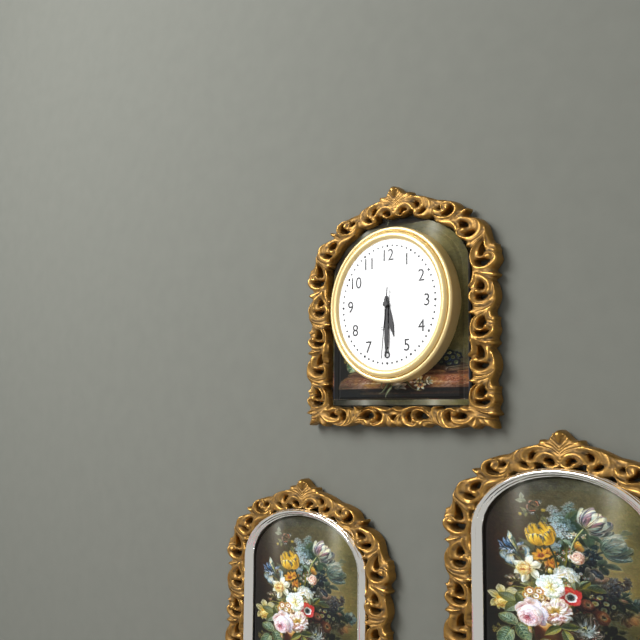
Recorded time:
{"hour": 5, "minute": 30, "second": 31}
